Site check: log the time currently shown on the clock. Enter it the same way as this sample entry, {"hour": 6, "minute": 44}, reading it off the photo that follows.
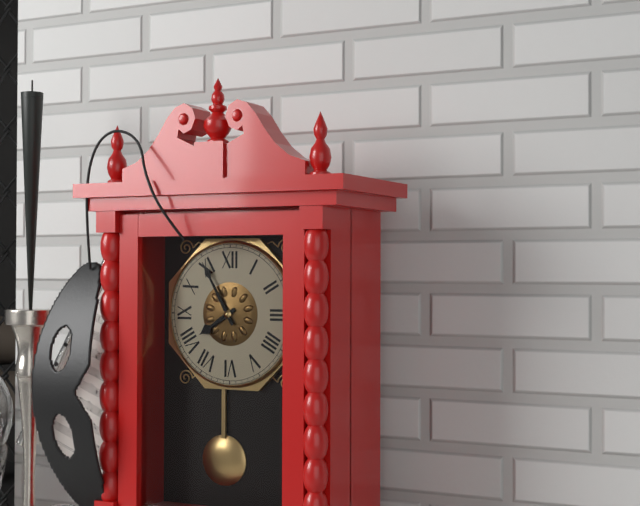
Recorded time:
{"hour": 7, "minute": 55}
